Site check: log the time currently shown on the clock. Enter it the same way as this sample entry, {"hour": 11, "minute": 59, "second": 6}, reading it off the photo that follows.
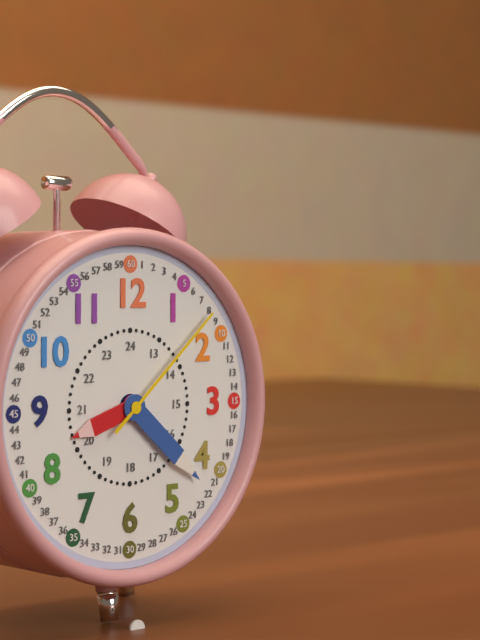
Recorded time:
{"hour": 8, "minute": 22, "second": 8}
